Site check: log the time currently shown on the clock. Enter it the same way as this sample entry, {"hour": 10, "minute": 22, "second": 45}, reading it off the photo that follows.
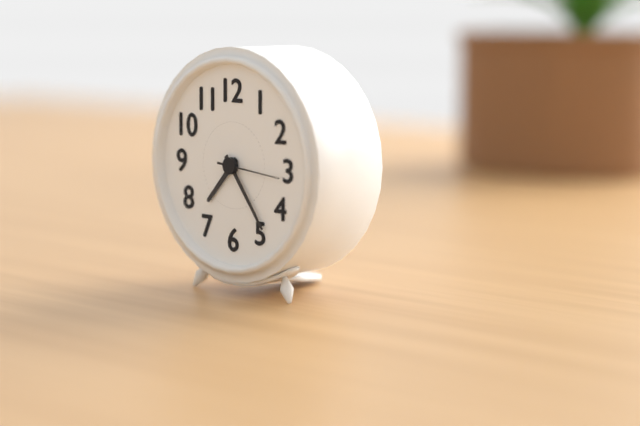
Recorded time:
{"hour": 7, "minute": 24, "second": 16}
